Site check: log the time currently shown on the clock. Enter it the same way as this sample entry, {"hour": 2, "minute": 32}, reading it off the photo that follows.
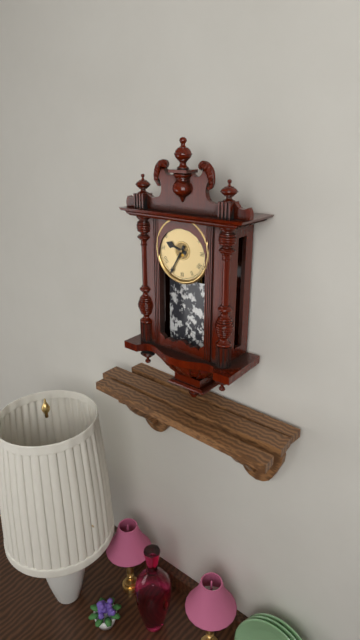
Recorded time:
{"hour": 9, "minute": 35}
